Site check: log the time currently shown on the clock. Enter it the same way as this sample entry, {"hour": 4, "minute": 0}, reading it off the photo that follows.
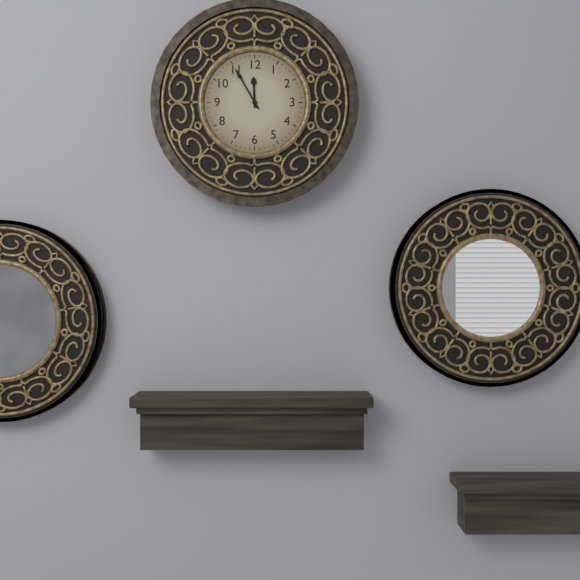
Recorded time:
{"hour": 11, "minute": 55}
